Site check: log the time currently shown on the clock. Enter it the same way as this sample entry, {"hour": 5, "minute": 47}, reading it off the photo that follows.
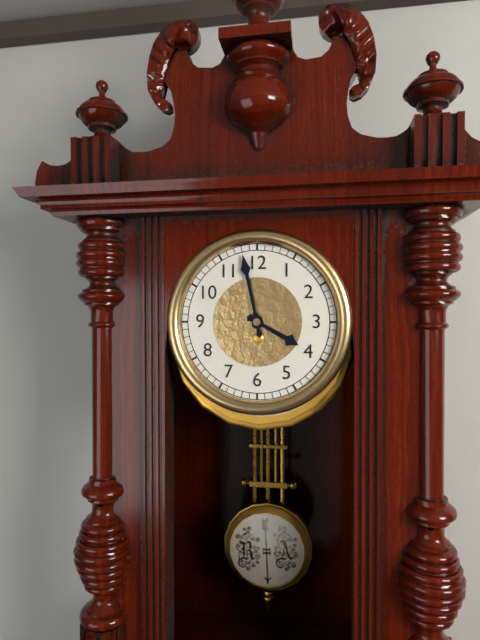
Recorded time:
{"hour": 3, "minute": 58}
